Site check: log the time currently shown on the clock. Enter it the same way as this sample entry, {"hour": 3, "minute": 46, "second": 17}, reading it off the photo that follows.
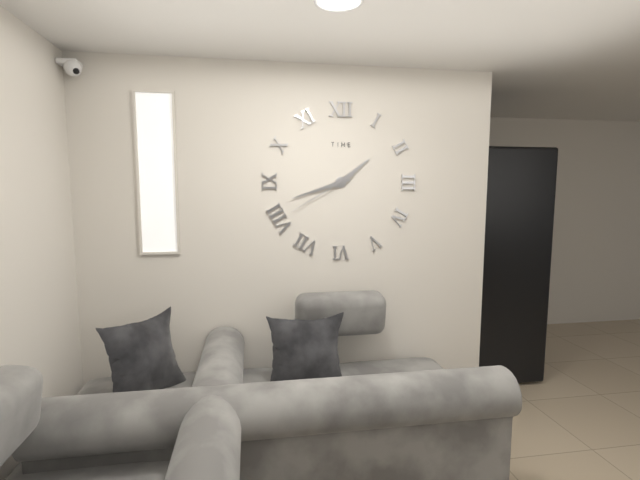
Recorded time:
{"hour": 1, "minute": 42, "second": 40}
